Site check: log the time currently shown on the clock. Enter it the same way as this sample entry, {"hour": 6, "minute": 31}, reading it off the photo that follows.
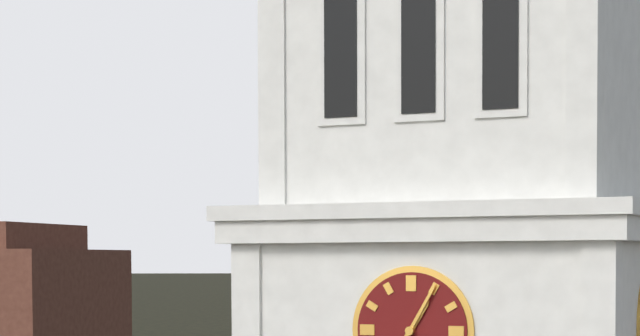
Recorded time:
{"hour": 1, "minute": 5}
